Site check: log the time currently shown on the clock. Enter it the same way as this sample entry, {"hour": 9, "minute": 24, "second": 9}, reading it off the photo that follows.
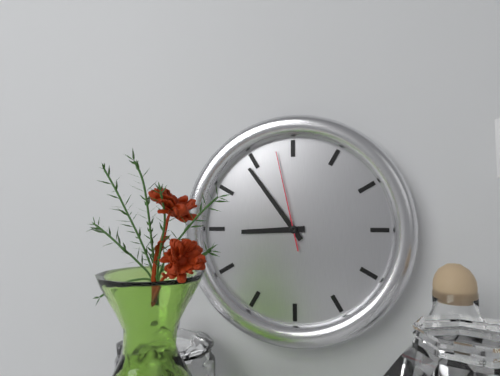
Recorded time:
{"hour": 8, "minute": 54, "second": 58}
